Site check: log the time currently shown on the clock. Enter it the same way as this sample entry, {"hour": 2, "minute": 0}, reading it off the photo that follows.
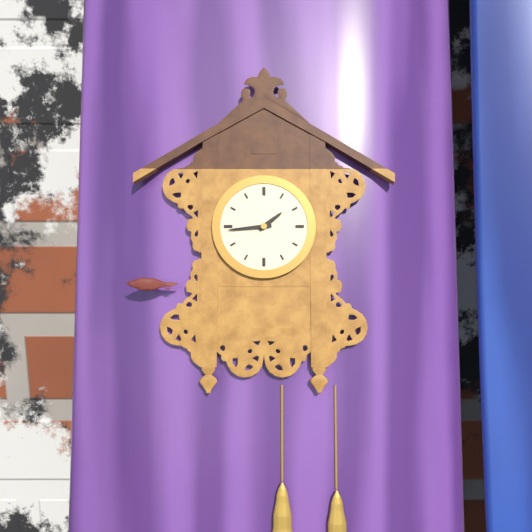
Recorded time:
{"hour": 1, "minute": 44}
